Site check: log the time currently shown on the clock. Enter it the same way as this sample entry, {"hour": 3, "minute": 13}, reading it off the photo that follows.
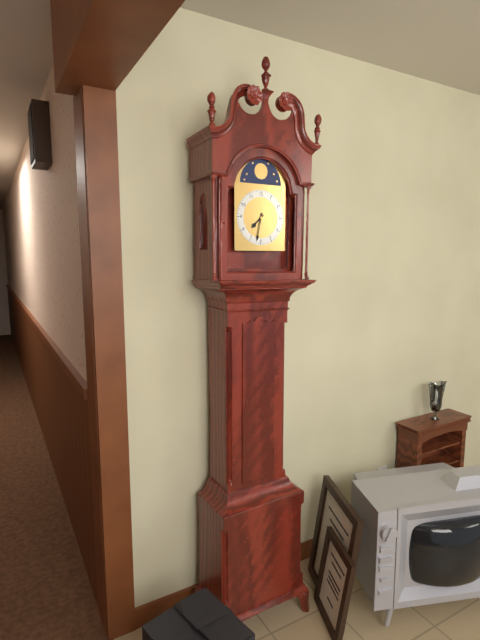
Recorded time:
{"hour": 7, "minute": 32}
